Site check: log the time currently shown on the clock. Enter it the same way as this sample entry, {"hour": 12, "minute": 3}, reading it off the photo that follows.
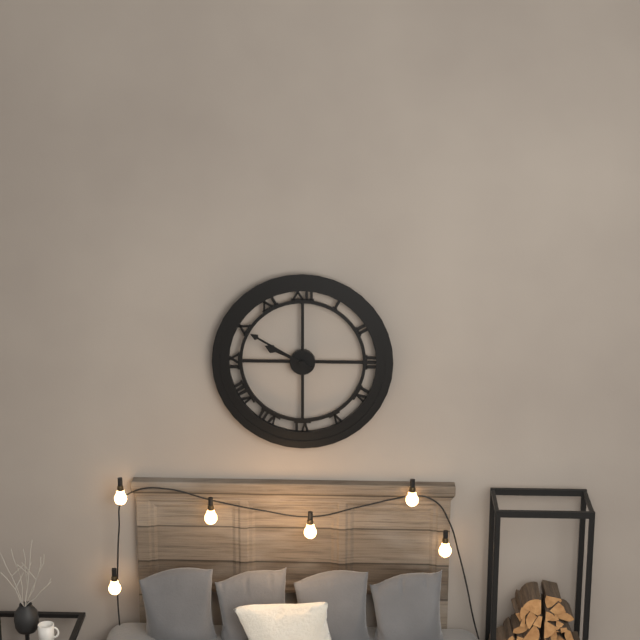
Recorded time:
{"hour": 9, "minute": 50}
